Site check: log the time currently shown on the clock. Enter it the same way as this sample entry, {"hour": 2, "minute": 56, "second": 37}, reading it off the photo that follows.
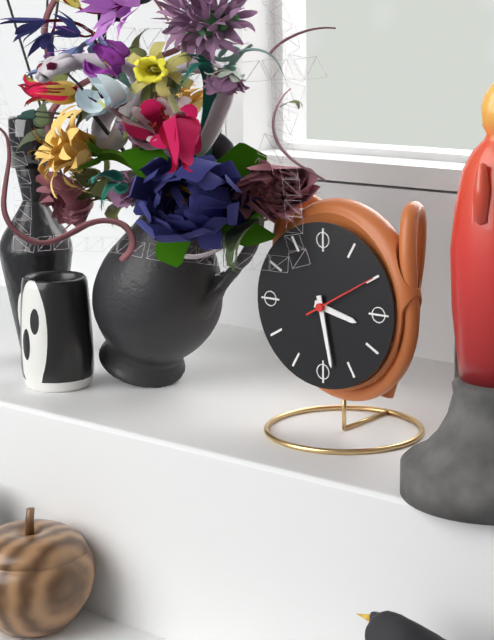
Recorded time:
{"hour": 3, "minute": 28, "second": 10}
